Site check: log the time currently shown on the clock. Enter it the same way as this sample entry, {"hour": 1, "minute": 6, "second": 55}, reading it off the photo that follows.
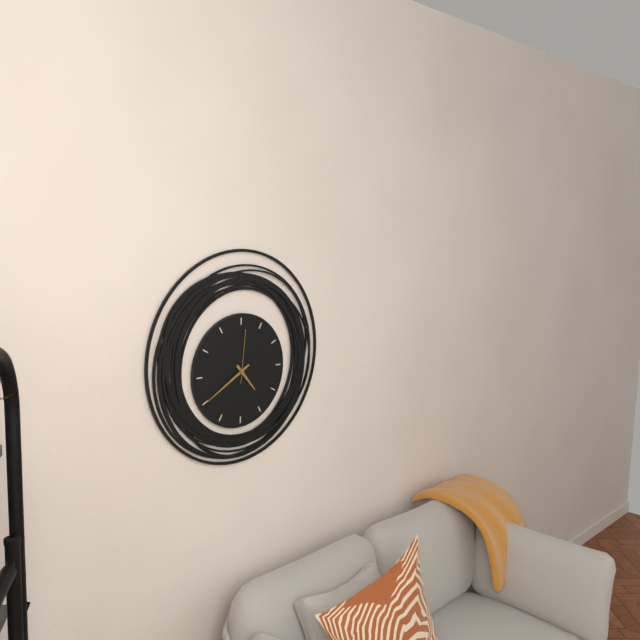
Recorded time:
{"hour": 4, "minute": 40, "second": 1}
